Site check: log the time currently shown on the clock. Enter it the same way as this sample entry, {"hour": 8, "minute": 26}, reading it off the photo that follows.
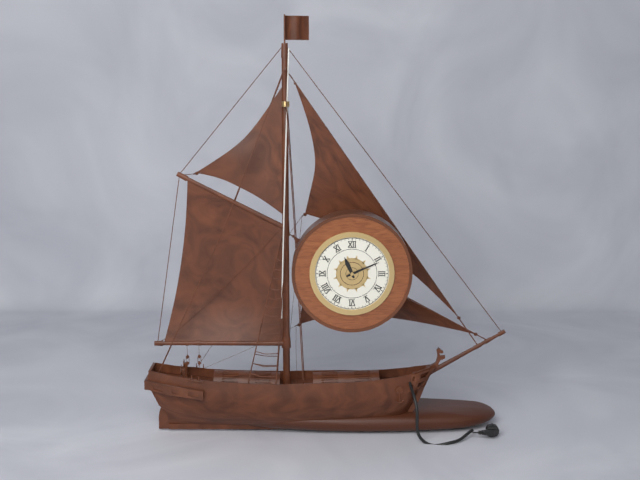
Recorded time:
{"hour": 11, "minute": 11}
